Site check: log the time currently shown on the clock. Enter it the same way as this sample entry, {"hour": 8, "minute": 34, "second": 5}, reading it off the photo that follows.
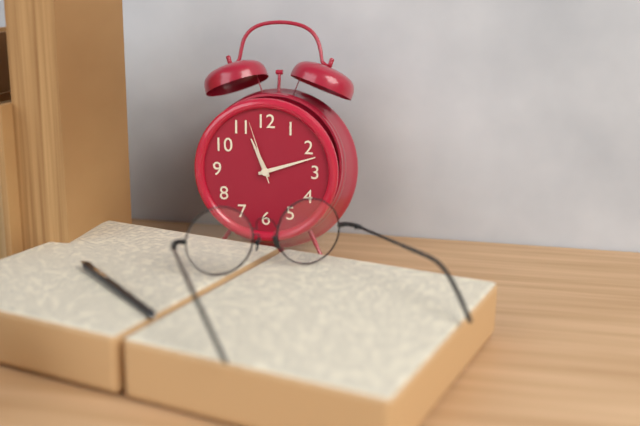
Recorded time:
{"hour": 11, "minute": 12, "second": 57}
